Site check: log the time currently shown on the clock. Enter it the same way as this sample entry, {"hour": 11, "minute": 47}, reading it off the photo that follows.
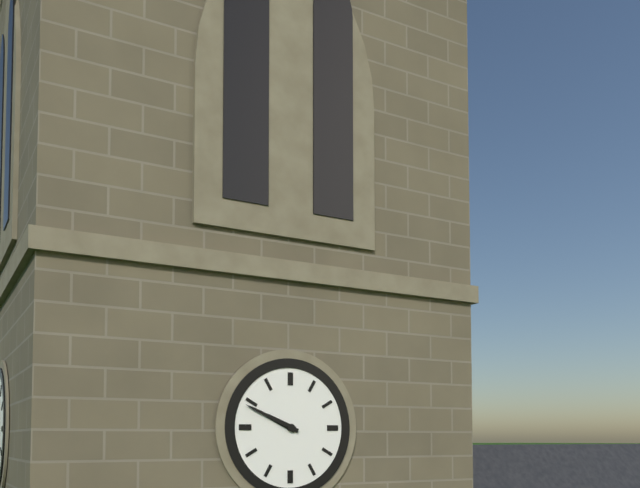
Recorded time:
{"hour": 9, "minute": 49}
